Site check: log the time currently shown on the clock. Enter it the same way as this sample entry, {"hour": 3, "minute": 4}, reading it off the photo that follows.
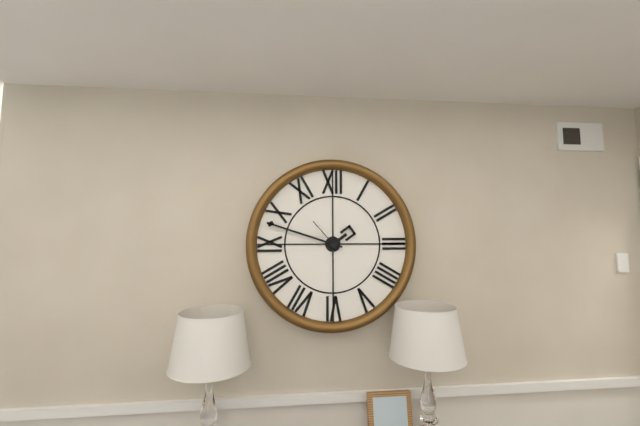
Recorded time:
{"hour": 1, "minute": 48}
